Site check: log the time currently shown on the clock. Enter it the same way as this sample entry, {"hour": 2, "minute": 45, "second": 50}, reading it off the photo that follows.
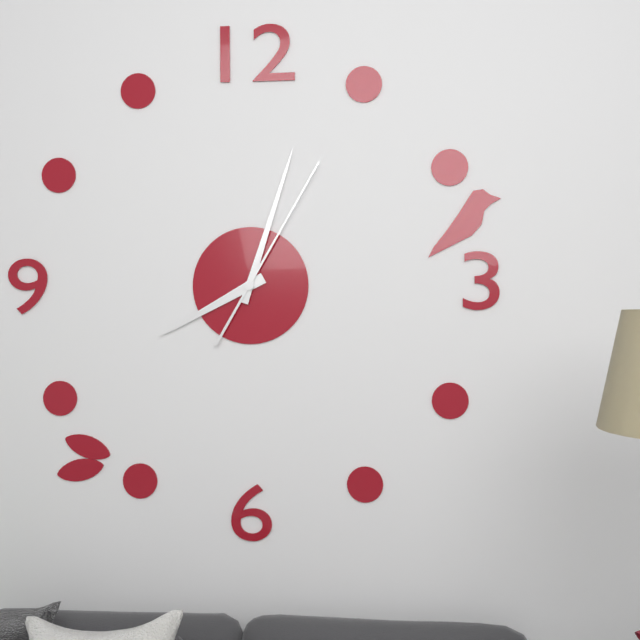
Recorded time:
{"hour": 8, "minute": 3, "second": 5}
